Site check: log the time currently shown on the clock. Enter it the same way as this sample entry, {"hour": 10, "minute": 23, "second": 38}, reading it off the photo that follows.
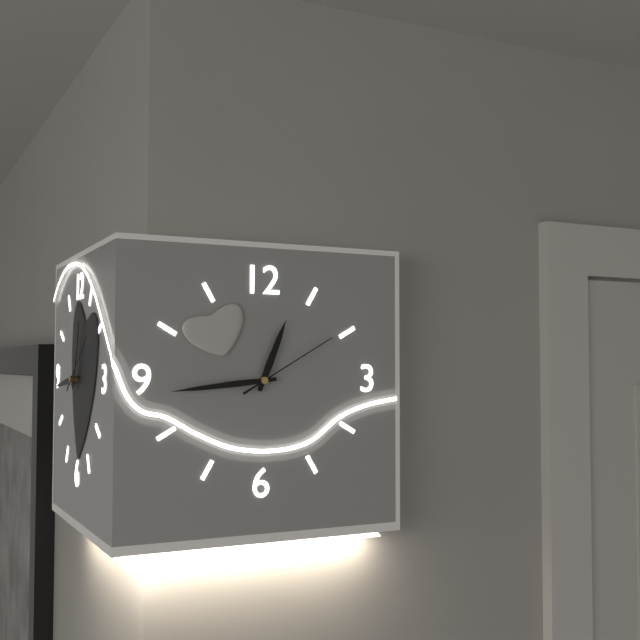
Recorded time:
{"hour": 12, "minute": 44, "second": 10}
